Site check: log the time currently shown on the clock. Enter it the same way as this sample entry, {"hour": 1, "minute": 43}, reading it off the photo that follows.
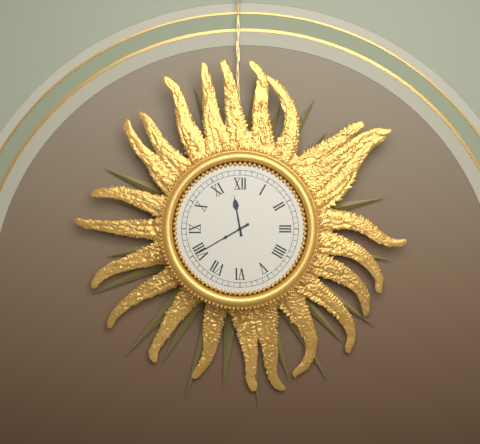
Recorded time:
{"hour": 11, "minute": 40}
